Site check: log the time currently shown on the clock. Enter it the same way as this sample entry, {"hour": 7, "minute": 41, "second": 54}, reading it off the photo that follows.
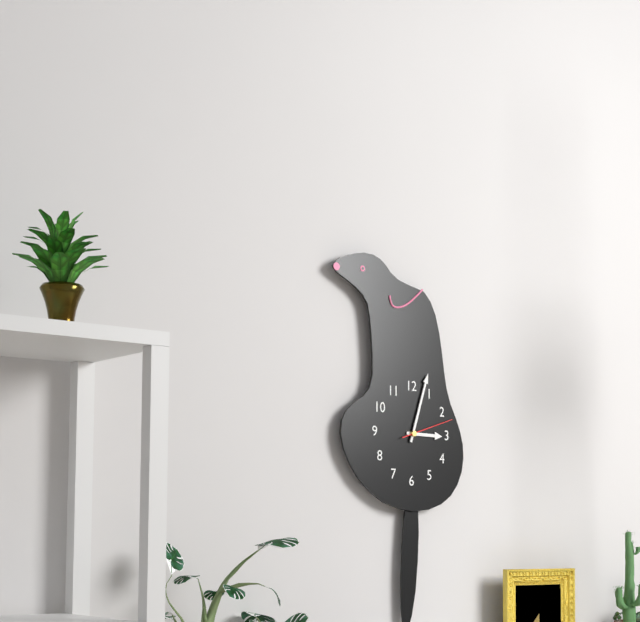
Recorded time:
{"hour": 3, "minute": 3, "second": 12}
